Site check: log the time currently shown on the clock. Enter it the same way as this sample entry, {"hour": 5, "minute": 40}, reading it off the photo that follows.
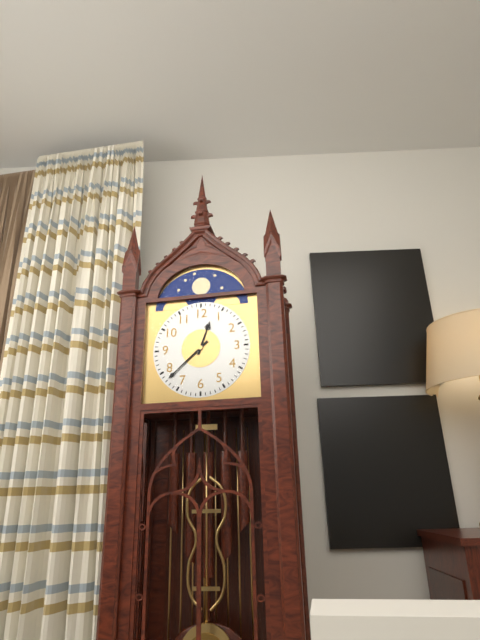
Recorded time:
{"hour": 12, "minute": 38}
